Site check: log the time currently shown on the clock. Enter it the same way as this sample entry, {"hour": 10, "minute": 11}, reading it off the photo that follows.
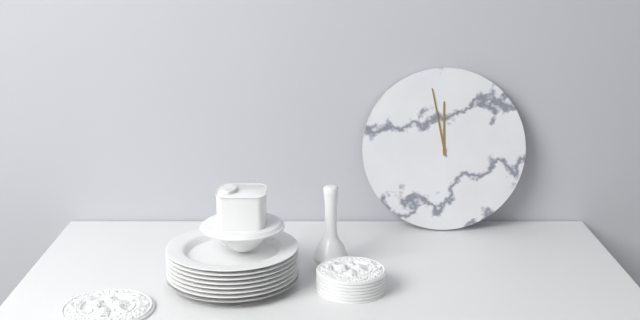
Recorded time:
{"hour": 11, "minute": 58}
